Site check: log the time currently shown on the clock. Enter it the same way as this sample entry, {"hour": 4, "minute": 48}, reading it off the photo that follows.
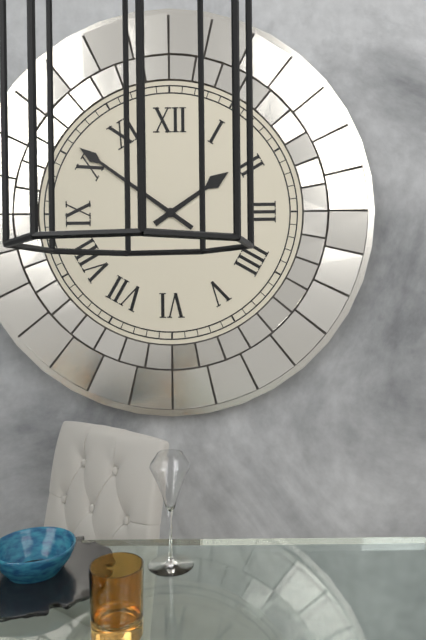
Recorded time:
{"hour": 1, "minute": 51}
